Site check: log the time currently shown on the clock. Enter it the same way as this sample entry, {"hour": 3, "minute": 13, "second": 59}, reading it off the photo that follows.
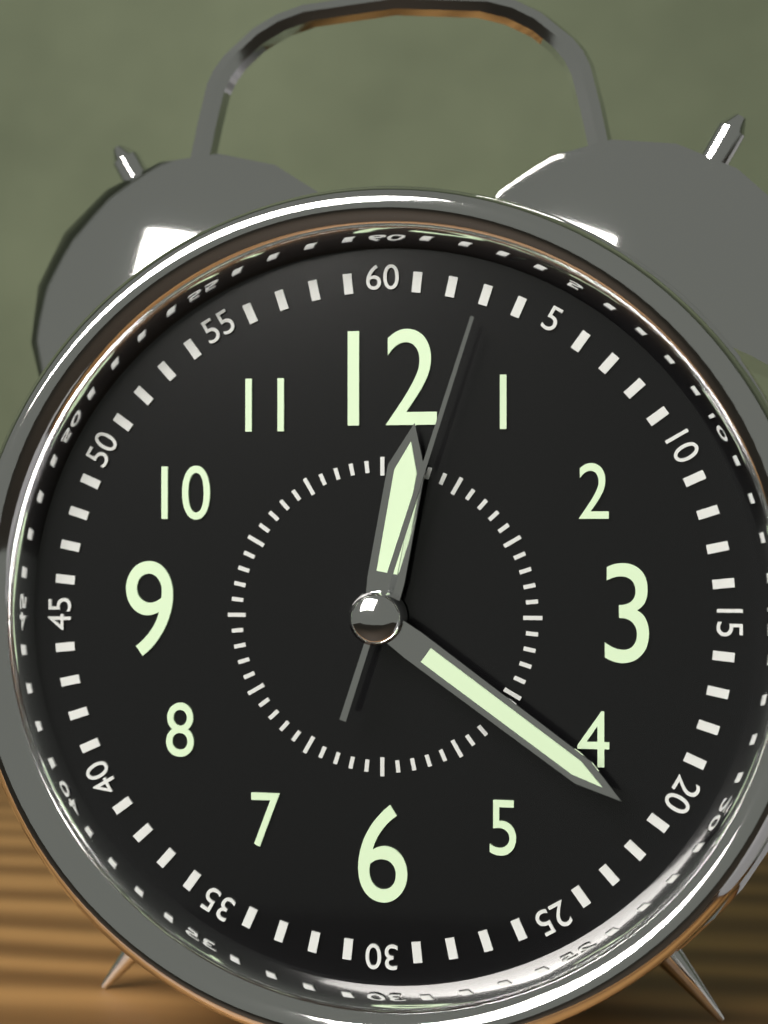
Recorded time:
{"hour": 12, "minute": 21, "second": 3}
